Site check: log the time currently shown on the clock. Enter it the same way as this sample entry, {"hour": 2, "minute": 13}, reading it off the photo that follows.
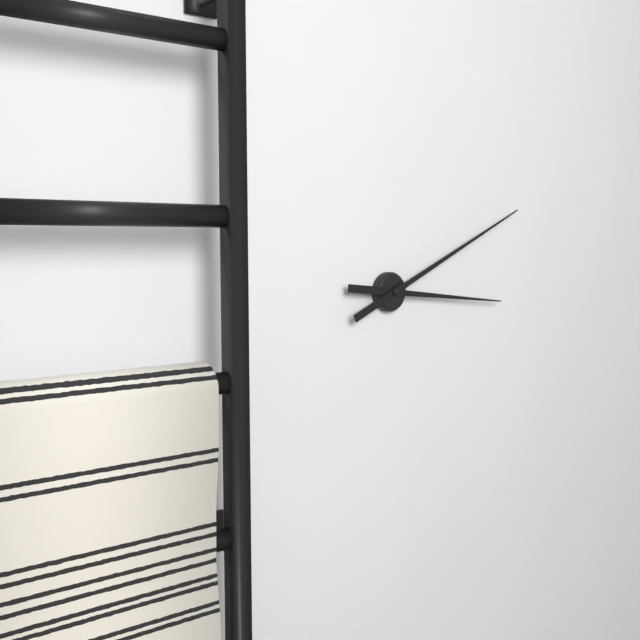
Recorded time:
{"hour": 3, "minute": 11}
